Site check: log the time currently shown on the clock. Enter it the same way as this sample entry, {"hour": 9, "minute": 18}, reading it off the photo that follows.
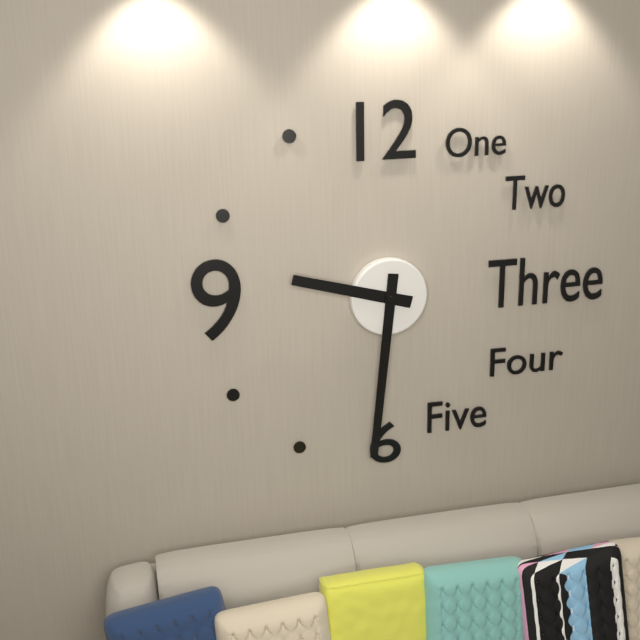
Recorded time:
{"hour": 9, "minute": 31}
